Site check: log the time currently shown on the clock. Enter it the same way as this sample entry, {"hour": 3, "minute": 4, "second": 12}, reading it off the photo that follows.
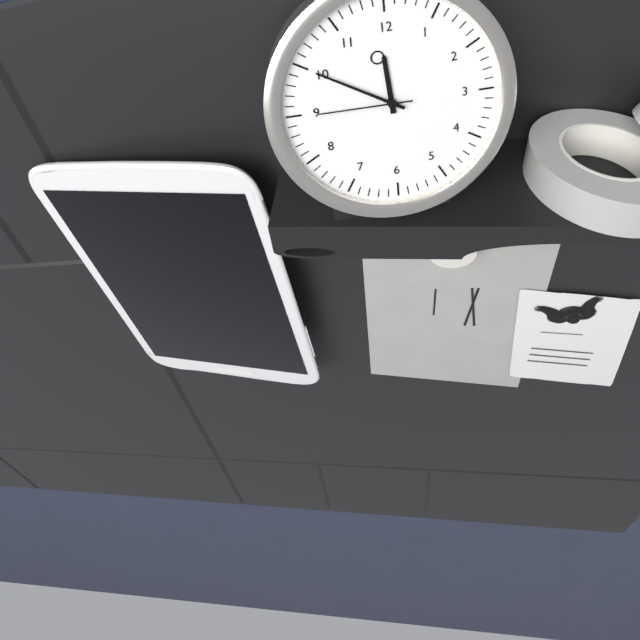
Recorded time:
{"hour": 11, "minute": 50, "second": 45}
